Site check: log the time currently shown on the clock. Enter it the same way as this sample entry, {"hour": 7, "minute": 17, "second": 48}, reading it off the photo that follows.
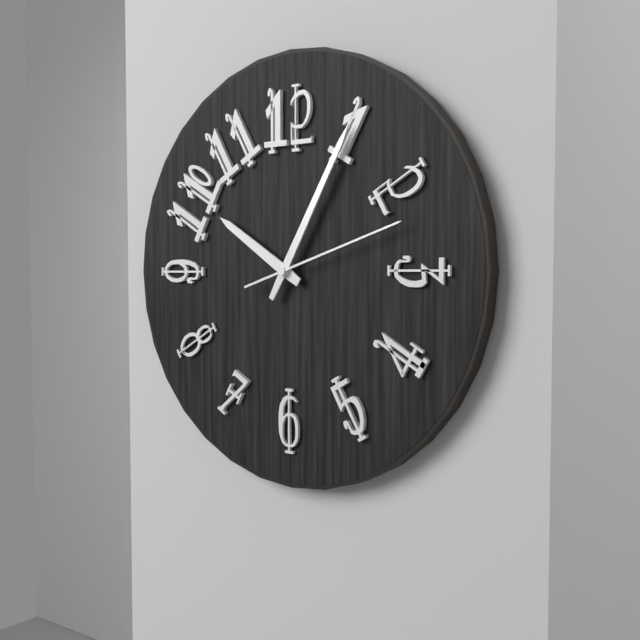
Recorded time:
{"hour": 10, "minute": 5, "second": 12}
